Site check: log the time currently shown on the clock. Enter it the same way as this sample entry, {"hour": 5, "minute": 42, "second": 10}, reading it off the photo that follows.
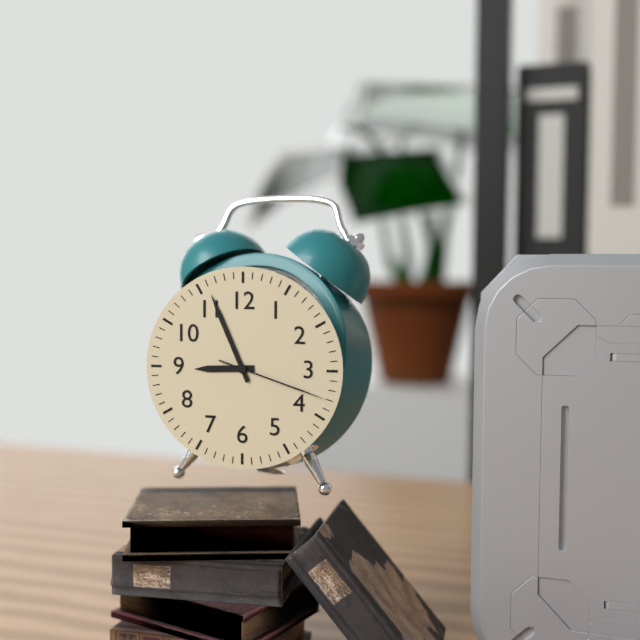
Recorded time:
{"hour": 8, "minute": 56, "second": 18}
